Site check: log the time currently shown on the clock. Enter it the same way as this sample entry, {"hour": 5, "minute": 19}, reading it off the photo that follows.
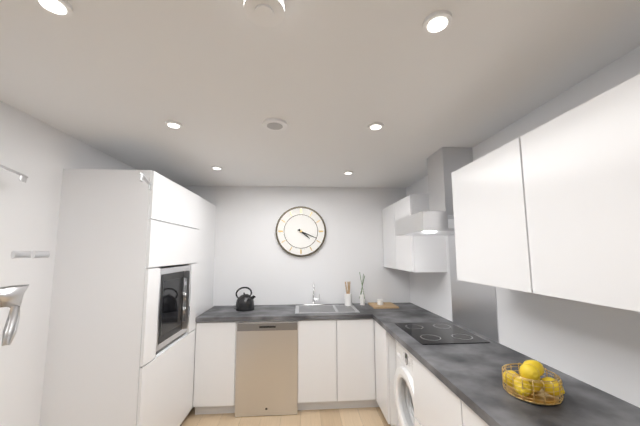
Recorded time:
{"hour": 4, "minute": 19}
